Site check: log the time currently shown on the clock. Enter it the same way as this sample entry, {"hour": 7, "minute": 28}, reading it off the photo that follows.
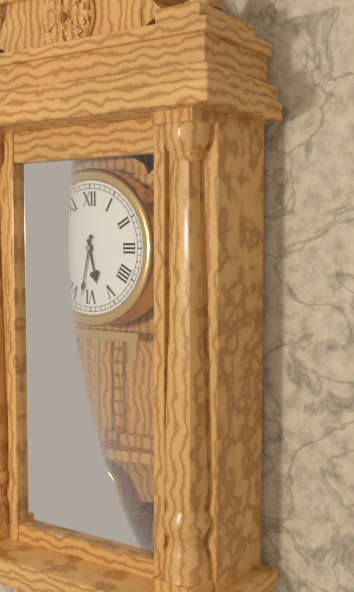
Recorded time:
{"hour": 5, "minute": 32}
